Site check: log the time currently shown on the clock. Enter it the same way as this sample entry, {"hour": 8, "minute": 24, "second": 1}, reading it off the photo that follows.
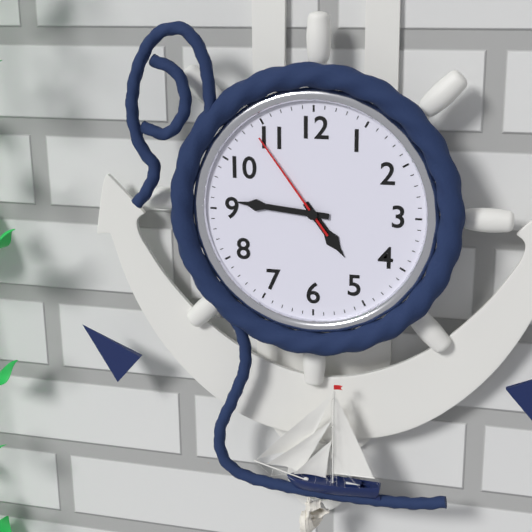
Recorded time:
{"hour": 4, "minute": 46, "second": 54}
